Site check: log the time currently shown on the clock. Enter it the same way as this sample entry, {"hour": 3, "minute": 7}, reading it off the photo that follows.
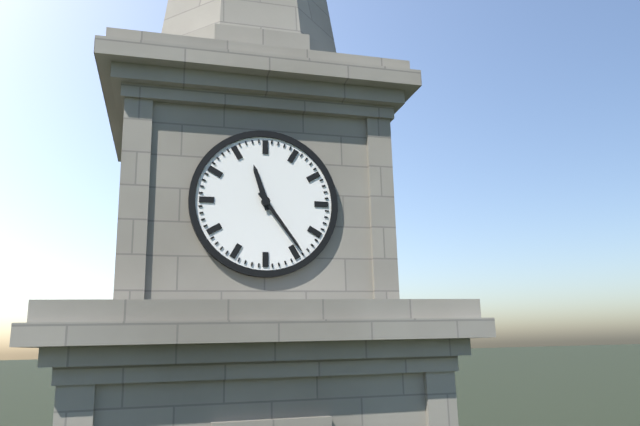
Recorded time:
{"hour": 11, "minute": 24}
